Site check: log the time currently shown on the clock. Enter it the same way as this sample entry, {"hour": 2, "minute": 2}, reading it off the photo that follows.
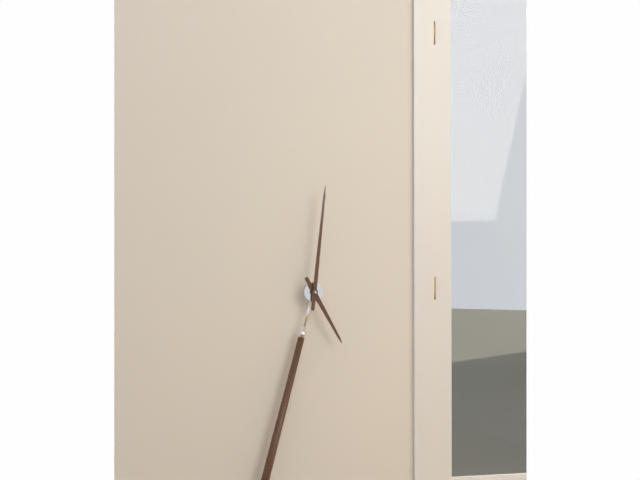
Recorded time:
{"hour": 5, "minute": 1}
